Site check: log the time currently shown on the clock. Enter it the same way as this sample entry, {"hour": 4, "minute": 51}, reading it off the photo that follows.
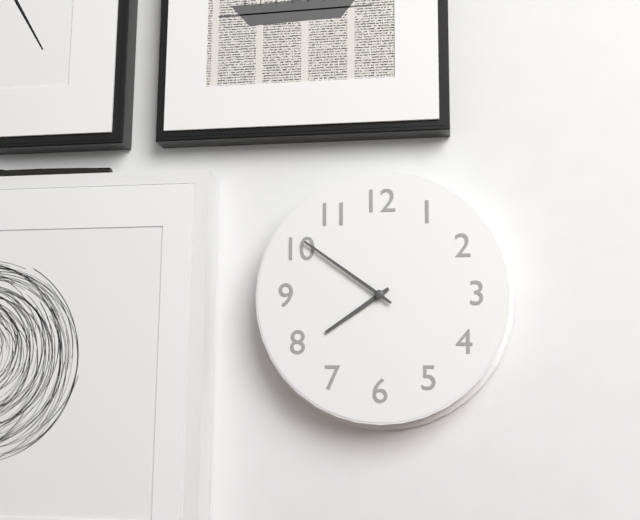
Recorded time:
{"hour": 7, "minute": 51}
